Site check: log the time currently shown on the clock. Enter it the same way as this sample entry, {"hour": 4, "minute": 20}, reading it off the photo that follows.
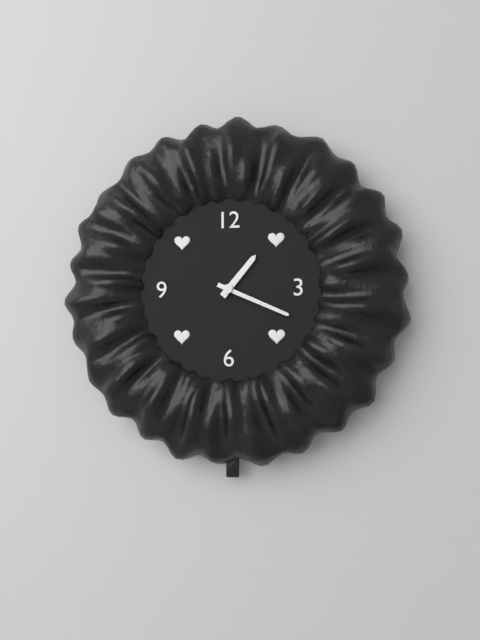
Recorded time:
{"hour": 1, "minute": 19}
